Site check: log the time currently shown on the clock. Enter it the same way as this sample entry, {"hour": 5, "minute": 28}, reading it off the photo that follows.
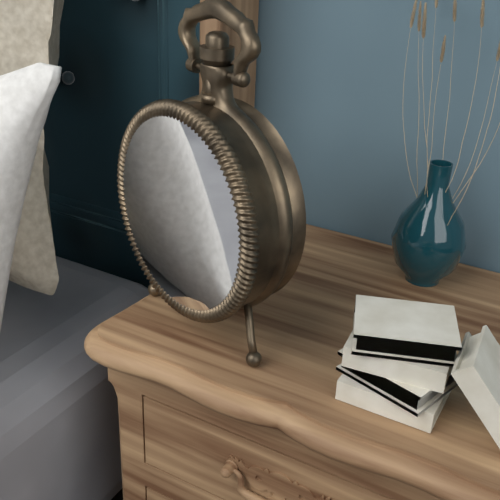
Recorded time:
{"hour": 11, "minute": 39}
